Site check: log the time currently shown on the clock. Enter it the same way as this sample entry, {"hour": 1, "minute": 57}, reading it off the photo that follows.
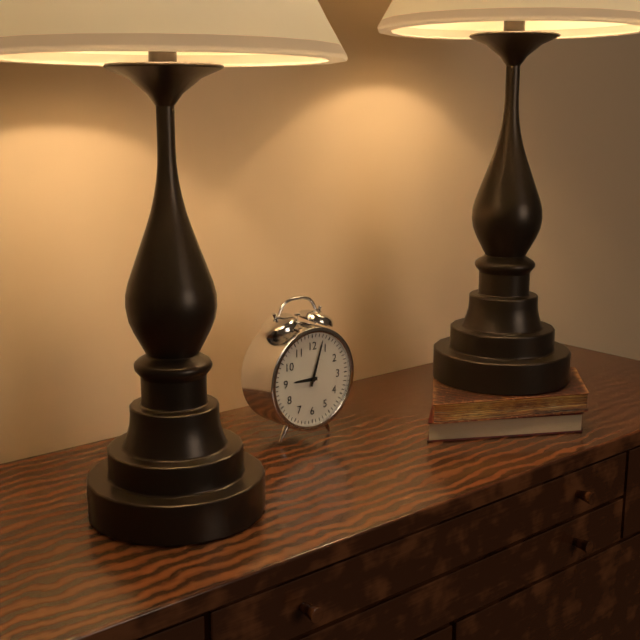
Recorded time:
{"hour": 9, "minute": 3}
